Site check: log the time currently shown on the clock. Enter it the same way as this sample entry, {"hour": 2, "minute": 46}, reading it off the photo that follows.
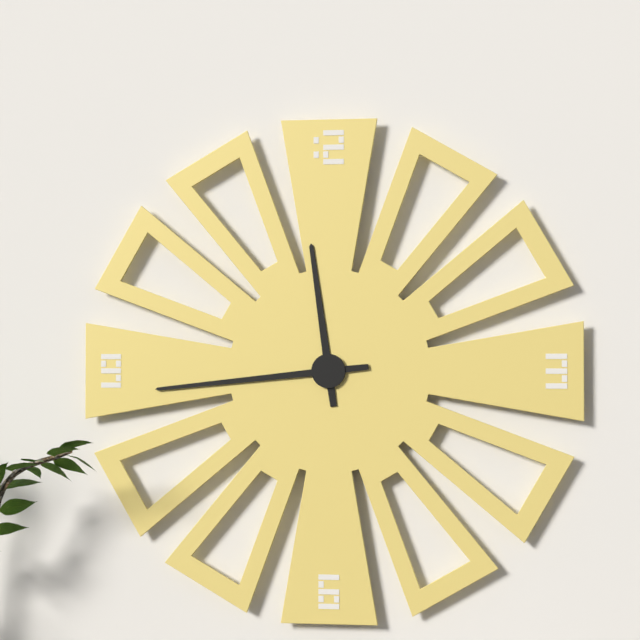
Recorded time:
{"hour": 11, "minute": 44}
